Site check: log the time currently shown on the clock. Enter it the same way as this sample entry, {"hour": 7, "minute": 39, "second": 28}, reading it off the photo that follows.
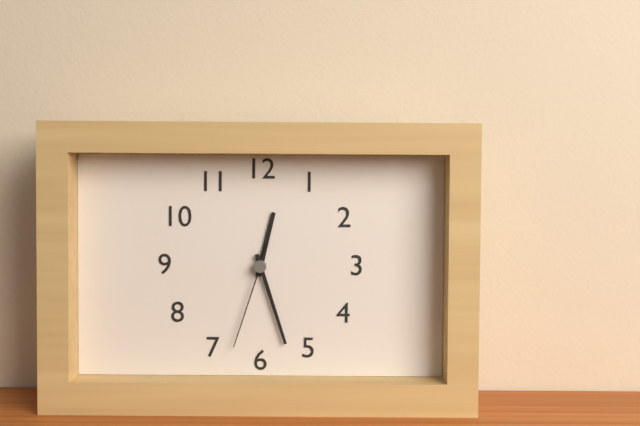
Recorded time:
{"hour": 12, "minute": 27, "second": 33}
